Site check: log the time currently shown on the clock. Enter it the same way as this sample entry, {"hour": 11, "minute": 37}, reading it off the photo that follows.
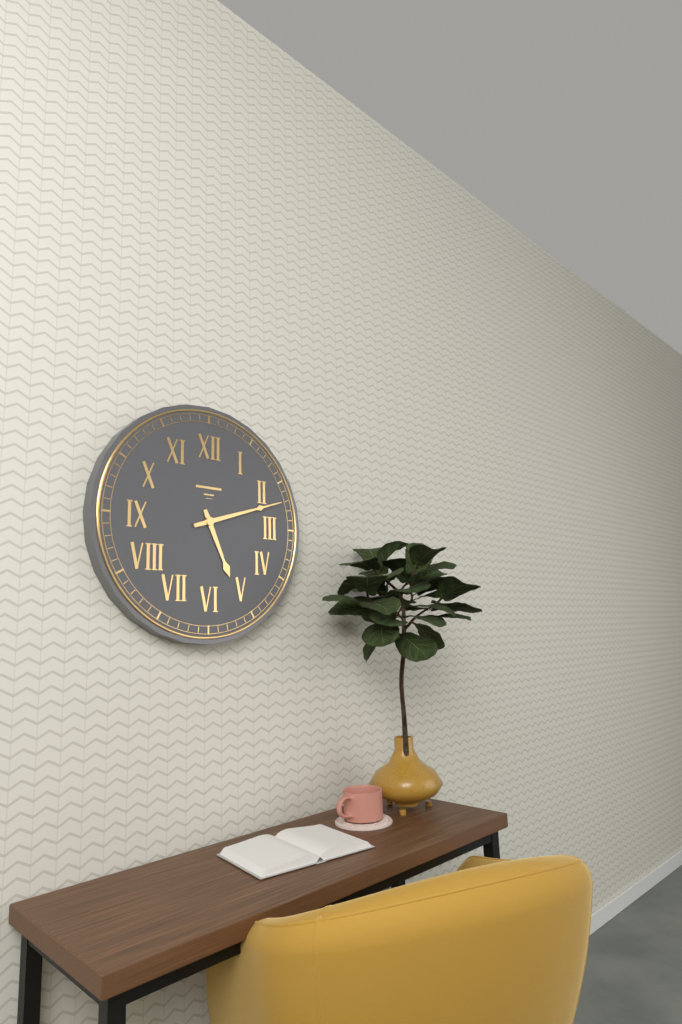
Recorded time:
{"hour": 5, "minute": 12}
